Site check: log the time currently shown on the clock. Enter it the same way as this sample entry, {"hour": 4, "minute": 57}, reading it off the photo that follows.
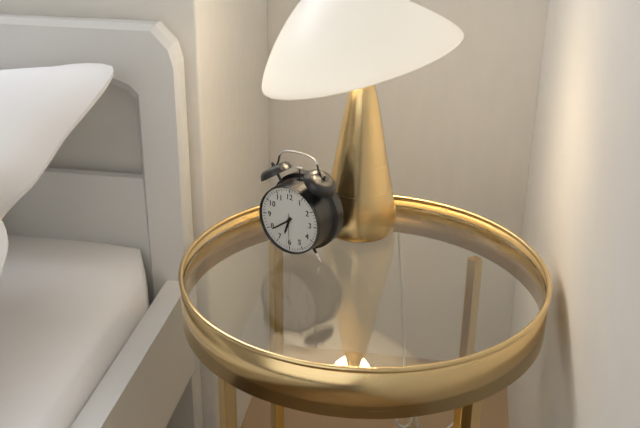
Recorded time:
{"hour": 6, "minute": 39}
